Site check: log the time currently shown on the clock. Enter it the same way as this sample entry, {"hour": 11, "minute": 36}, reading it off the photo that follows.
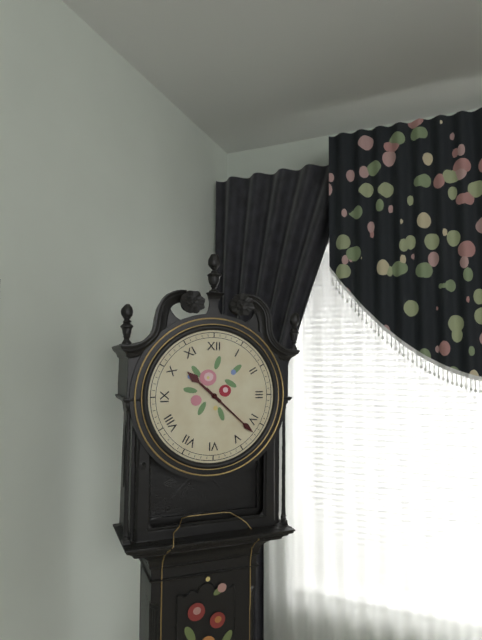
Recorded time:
{"hour": 10, "minute": 22}
